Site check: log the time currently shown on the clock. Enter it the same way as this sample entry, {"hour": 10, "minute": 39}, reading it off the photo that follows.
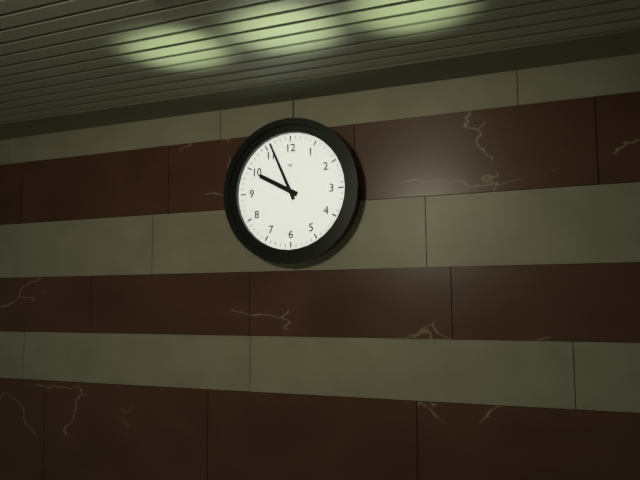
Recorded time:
{"hour": 9, "minute": 56}
